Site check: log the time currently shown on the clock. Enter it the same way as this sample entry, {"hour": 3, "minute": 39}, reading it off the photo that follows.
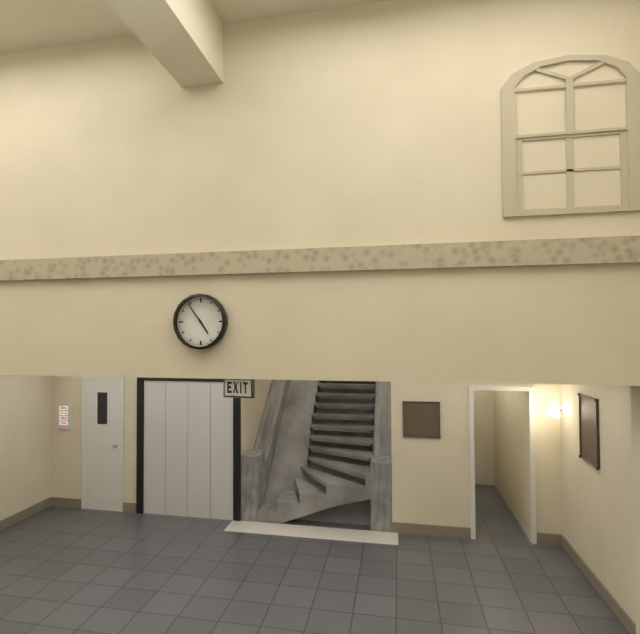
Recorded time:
{"hour": 4, "minute": 54}
